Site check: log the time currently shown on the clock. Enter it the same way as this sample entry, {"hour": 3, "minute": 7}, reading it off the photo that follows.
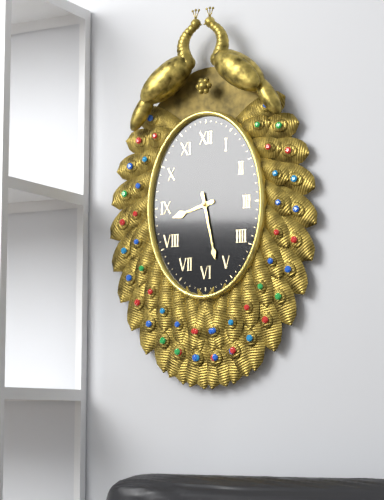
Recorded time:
{"hour": 8, "minute": 28}
